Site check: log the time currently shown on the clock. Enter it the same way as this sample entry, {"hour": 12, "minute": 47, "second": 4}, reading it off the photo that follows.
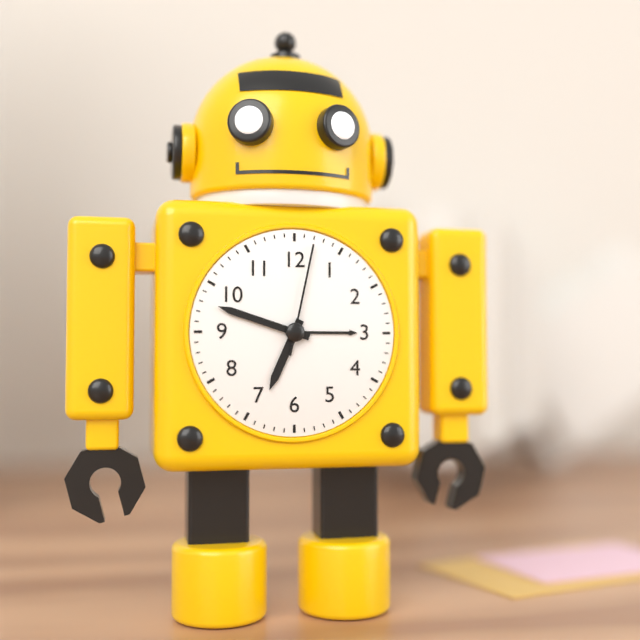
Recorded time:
{"hour": 6, "minute": 48, "second": 2}
